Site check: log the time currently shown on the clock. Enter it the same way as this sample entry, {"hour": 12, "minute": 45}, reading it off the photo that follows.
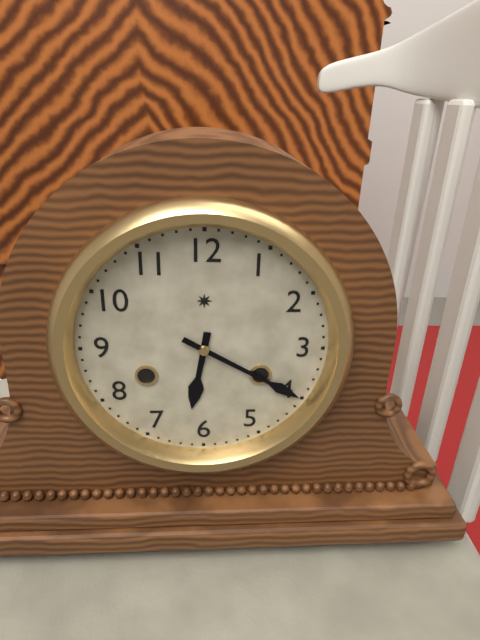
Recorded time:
{"hour": 6, "minute": 20}
